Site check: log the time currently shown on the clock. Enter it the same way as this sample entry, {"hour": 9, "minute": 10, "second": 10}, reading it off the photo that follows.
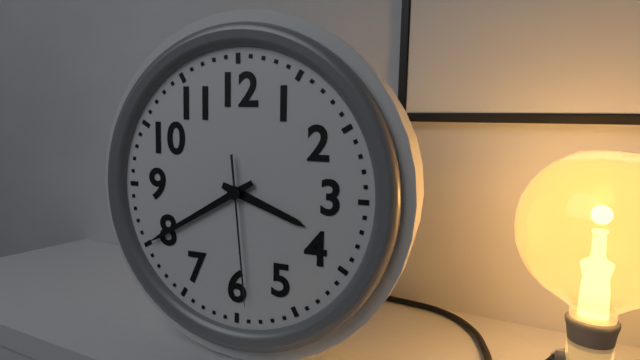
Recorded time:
{"hour": 3, "minute": 40, "second": 29}
